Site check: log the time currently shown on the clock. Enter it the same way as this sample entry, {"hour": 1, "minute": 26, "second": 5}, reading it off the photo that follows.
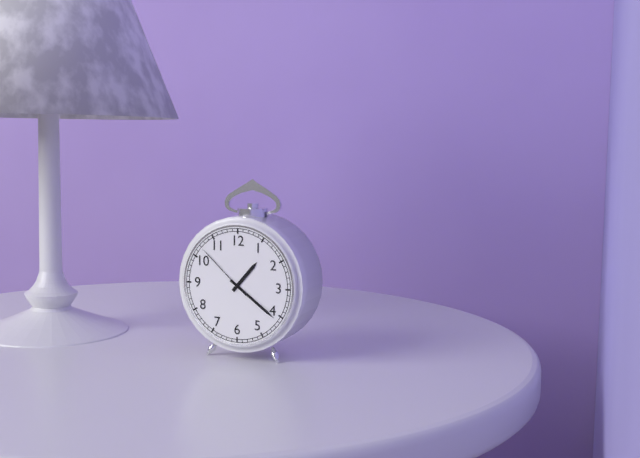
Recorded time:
{"hour": 1, "minute": 21, "second": 52}
